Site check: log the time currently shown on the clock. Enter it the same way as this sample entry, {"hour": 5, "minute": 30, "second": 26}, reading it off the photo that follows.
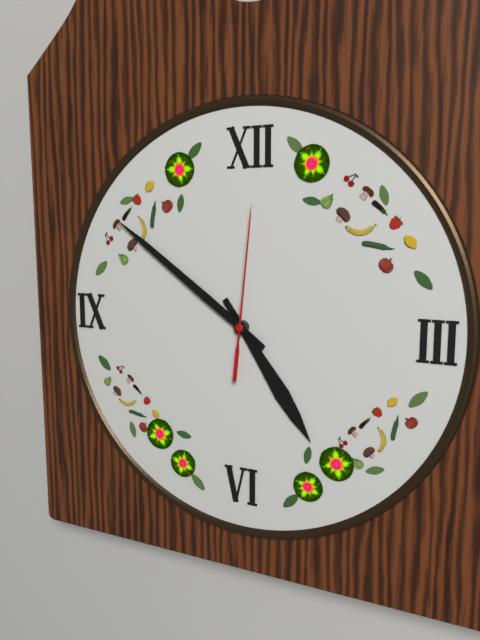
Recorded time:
{"hour": 4, "minute": 51, "second": 1}
